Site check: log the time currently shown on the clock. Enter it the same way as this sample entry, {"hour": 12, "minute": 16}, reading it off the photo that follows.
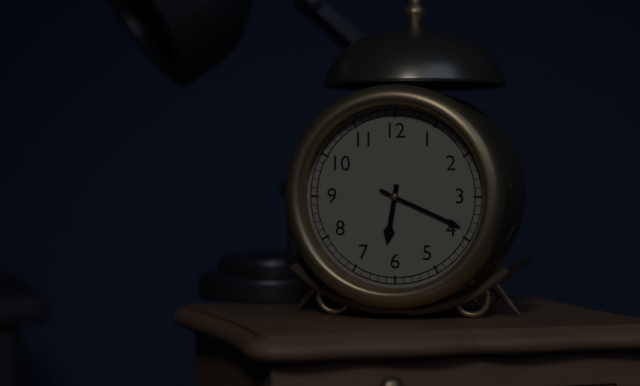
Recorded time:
{"hour": 6, "minute": 19}
